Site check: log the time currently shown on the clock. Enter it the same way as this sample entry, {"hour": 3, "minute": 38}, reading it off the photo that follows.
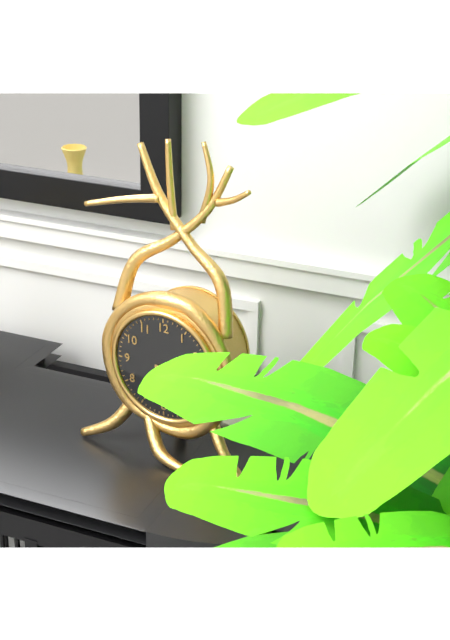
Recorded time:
{"hour": 2, "minute": 16}
